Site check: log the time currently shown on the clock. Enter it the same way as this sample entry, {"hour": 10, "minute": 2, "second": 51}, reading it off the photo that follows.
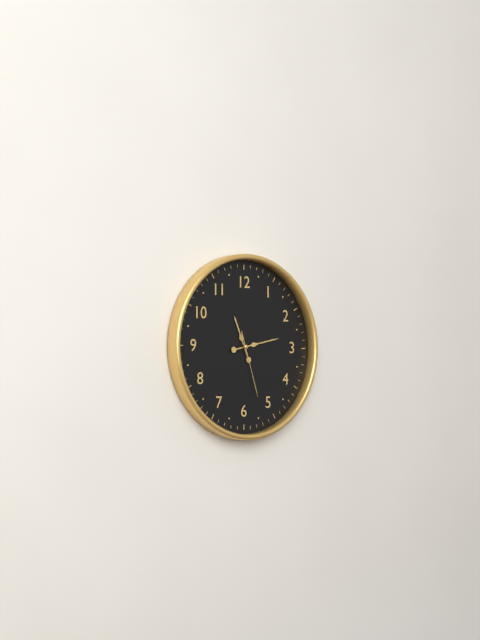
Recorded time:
{"hour": 11, "minute": 13, "second": 27}
